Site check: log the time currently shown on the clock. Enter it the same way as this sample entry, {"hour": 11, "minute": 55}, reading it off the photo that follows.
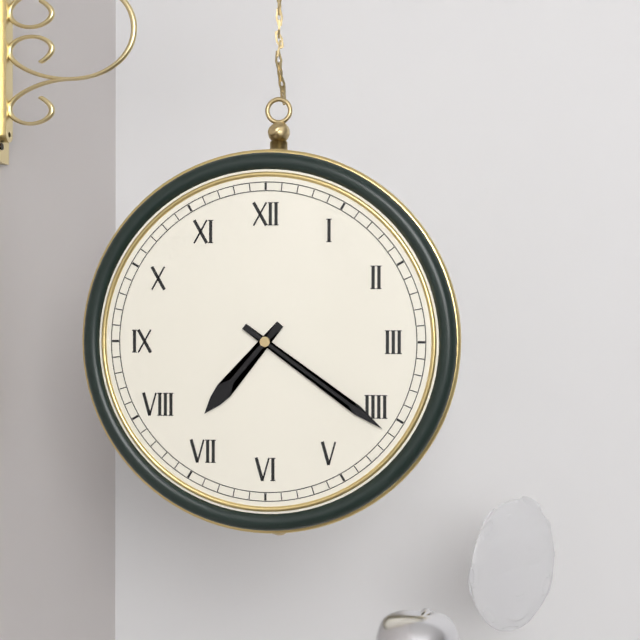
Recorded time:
{"hour": 7, "minute": 21}
